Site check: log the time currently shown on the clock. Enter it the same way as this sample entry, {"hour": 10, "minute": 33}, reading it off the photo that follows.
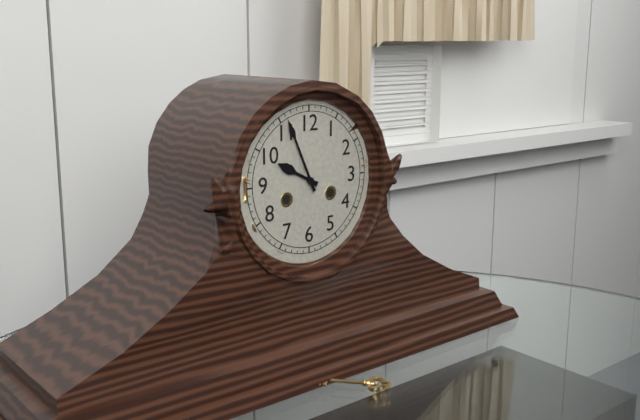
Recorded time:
{"hour": 9, "minute": 56}
